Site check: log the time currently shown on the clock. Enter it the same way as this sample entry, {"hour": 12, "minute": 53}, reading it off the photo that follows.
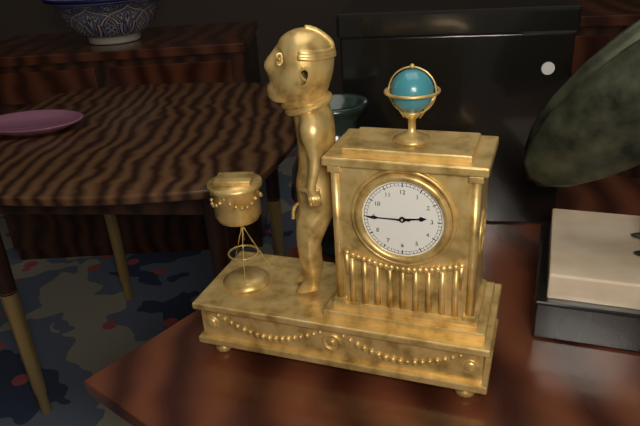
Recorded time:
{"hour": 2, "minute": 45}
